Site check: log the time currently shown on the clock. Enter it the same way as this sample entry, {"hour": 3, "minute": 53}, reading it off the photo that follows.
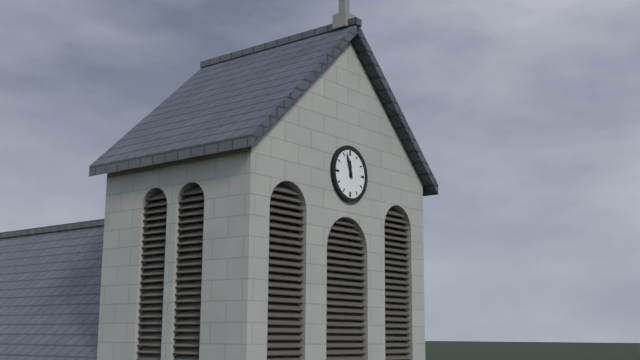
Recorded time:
{"hour": 11, "minute": 57}
